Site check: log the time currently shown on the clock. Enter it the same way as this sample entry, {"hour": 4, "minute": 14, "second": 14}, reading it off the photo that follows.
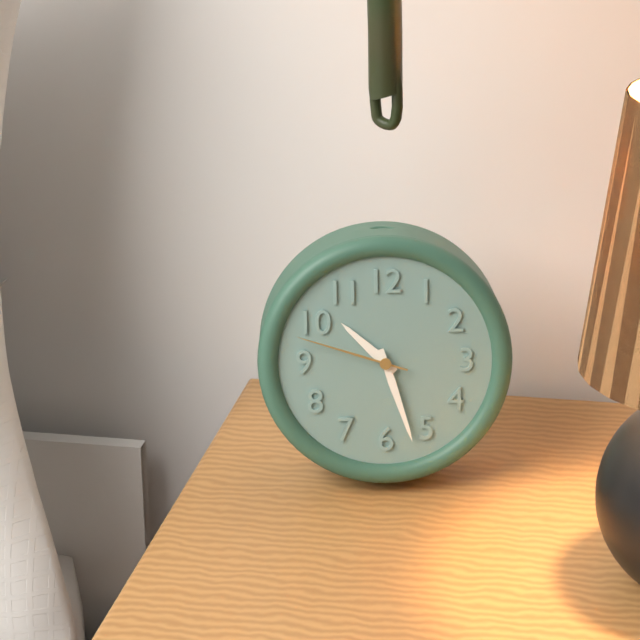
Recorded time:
{"hour": 10, "minute": 27, "second": 48}
